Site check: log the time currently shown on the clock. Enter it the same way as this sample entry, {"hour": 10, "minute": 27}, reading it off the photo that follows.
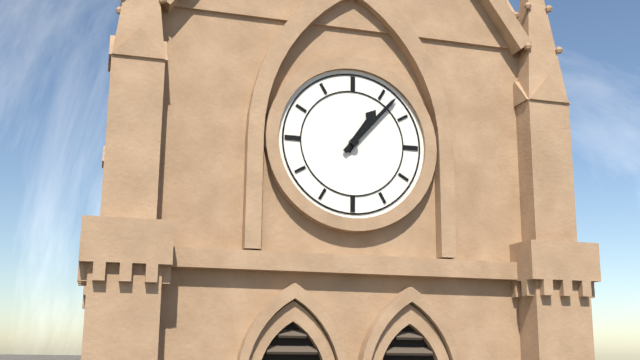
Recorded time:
{"hour": 1, "minute": 7}
